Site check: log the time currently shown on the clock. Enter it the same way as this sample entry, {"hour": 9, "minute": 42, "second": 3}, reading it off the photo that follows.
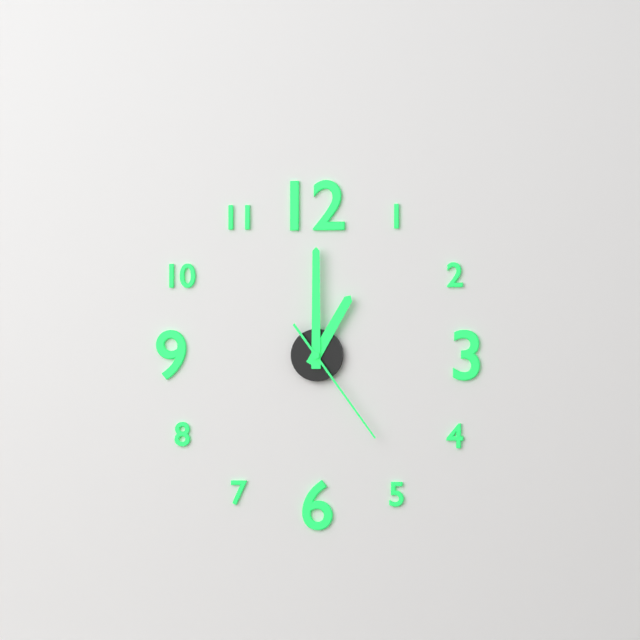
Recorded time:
{"hour": 1, "minute": 0, "second": 24}
